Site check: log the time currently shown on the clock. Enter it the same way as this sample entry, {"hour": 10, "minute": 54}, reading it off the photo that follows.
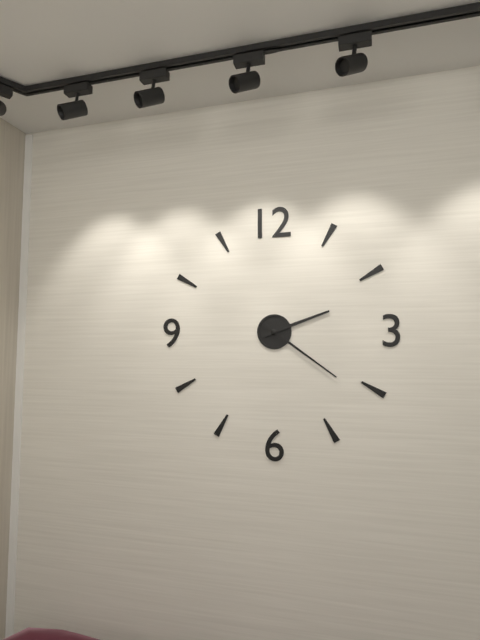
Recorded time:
{"hour": 2, "minute": 21}
